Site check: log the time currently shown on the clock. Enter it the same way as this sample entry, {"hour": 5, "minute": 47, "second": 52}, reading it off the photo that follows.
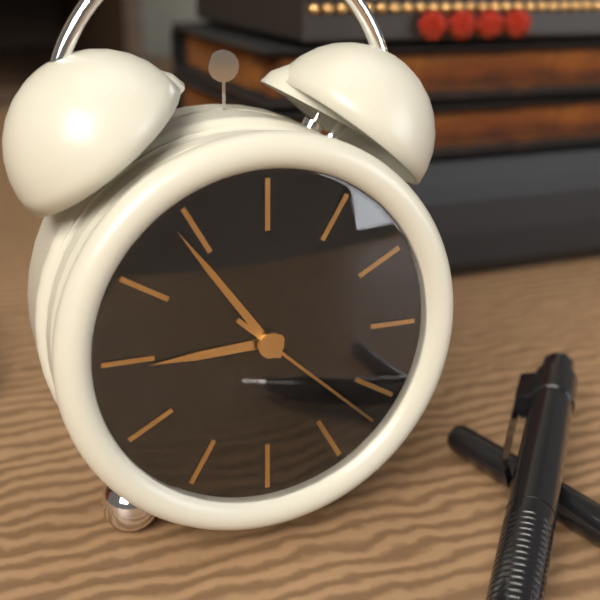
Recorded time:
{"hour": 8, "minute": 54, "second": 22}
